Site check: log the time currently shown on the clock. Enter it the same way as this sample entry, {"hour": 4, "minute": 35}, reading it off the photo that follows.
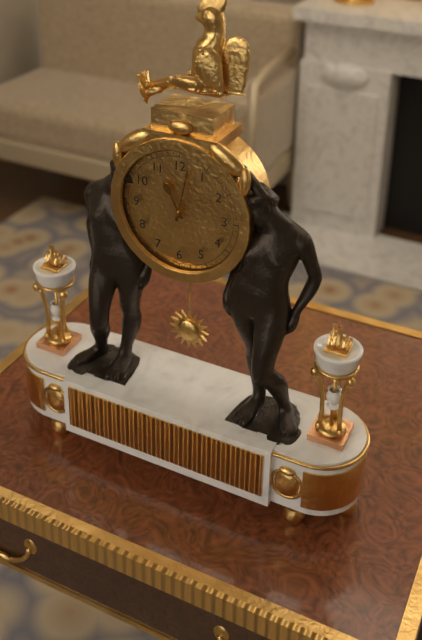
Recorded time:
{"hour": 11, "minute": 2}
